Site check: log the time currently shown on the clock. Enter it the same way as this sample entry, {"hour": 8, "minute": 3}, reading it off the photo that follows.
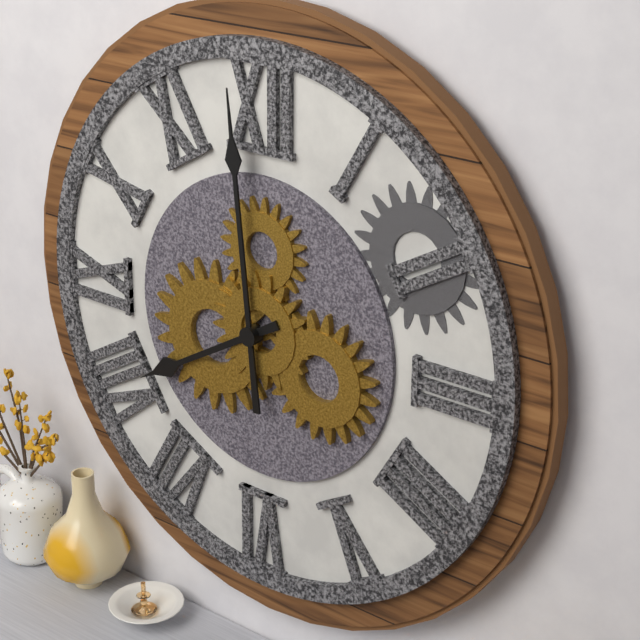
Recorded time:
{"hour": 7, "minute": 59}
